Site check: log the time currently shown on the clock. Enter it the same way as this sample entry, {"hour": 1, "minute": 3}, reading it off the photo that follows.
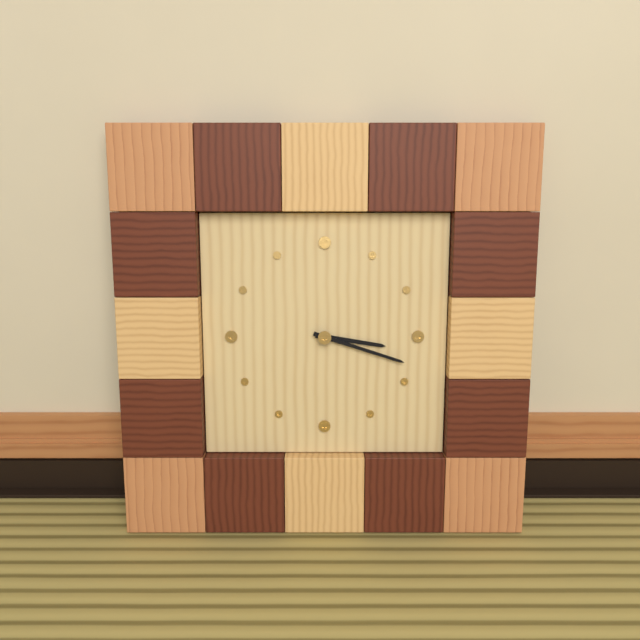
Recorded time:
{"hour": 3, "minute": 18}
